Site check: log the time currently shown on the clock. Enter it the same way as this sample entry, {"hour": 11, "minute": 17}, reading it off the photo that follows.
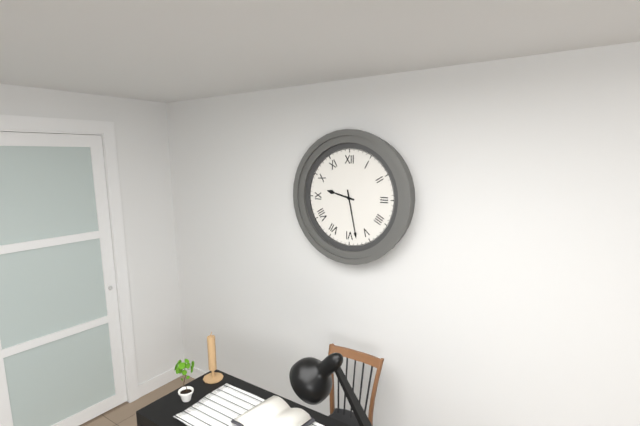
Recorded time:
{"hour": 9, "minute": 28}
